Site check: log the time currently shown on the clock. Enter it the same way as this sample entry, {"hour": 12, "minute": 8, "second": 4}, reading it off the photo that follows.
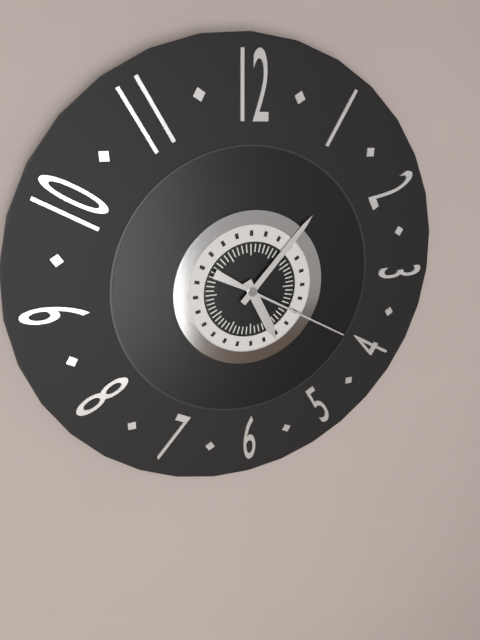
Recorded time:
{"hour": 5, "minute": 7, "second": 20}
